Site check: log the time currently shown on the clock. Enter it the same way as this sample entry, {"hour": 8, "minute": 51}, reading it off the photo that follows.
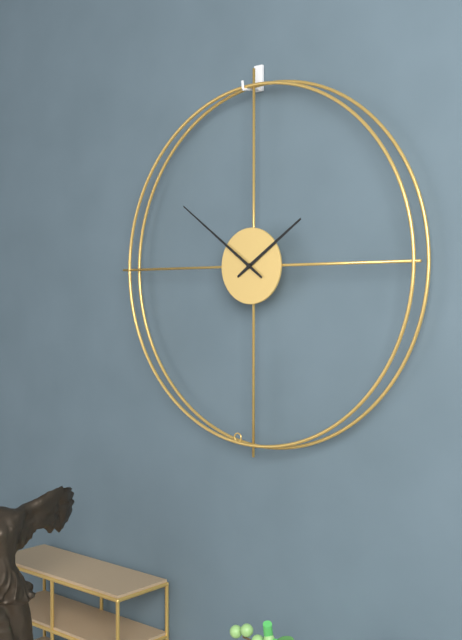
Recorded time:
{"hour": 1, "minute": 51}
